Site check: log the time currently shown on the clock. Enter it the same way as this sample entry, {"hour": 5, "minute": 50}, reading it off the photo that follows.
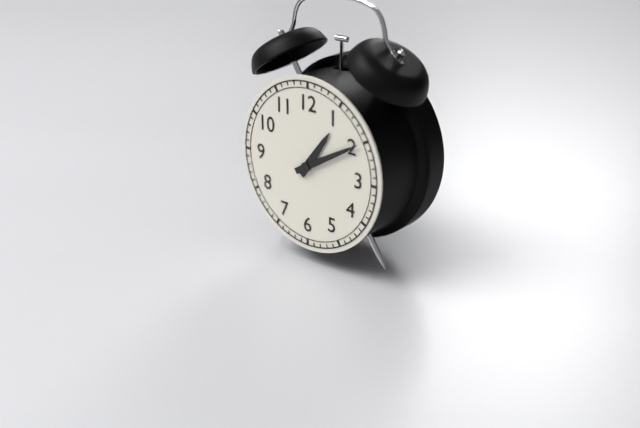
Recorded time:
{"hour": 1, "minute": 10}
